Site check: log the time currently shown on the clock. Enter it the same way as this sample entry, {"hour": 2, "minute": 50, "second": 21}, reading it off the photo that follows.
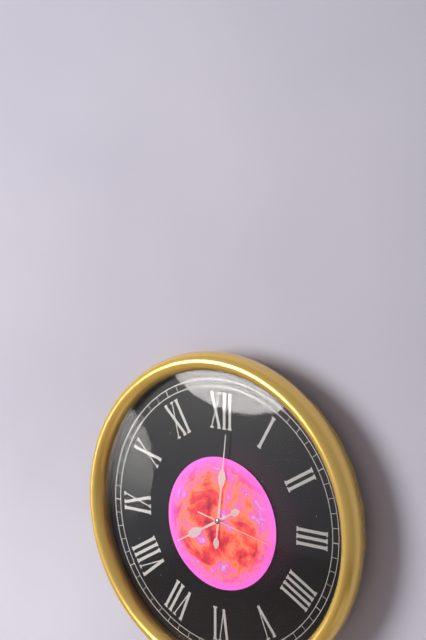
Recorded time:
{"hour": 8, "minute": 1, "second": 17}
